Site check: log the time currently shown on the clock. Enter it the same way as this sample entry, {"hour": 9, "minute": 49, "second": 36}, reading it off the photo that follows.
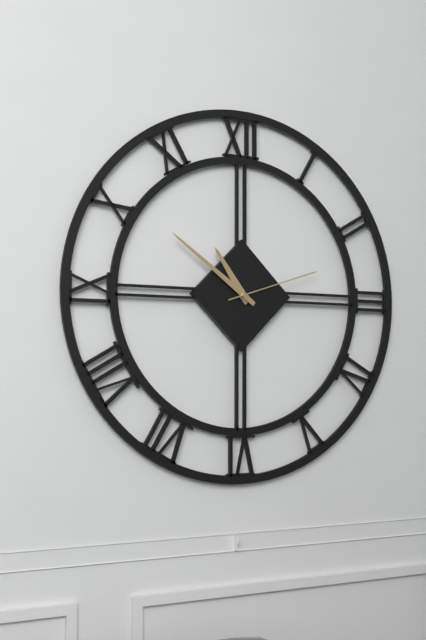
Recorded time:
{"hour": 10, "minute": 51, "second": 12}
